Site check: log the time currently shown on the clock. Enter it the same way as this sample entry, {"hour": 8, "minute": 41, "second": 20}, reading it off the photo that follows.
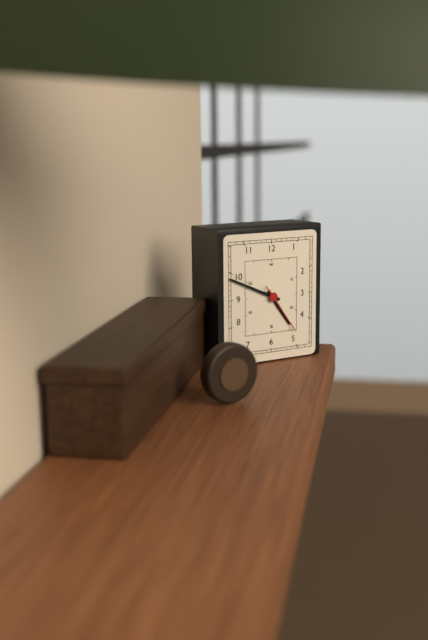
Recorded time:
{"hour": 4, "minute": 49, "second": 24}
